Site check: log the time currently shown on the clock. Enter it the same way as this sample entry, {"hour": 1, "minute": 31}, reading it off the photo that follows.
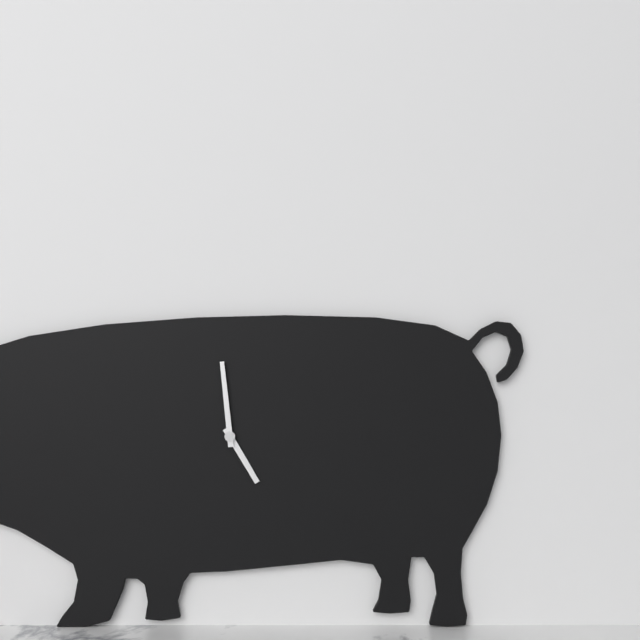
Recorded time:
{"hour": 4, "minute": 59}
